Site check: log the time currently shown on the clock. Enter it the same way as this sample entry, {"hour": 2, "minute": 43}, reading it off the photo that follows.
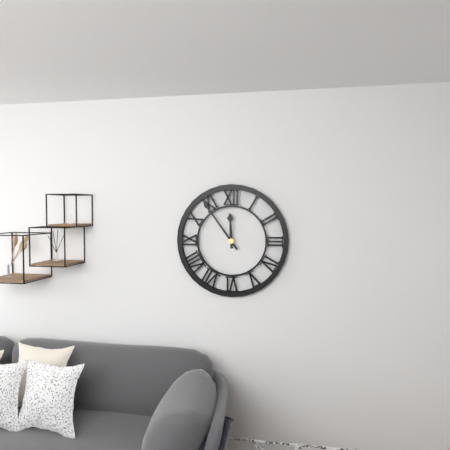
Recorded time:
{"hour": 11, "minute": 54}
